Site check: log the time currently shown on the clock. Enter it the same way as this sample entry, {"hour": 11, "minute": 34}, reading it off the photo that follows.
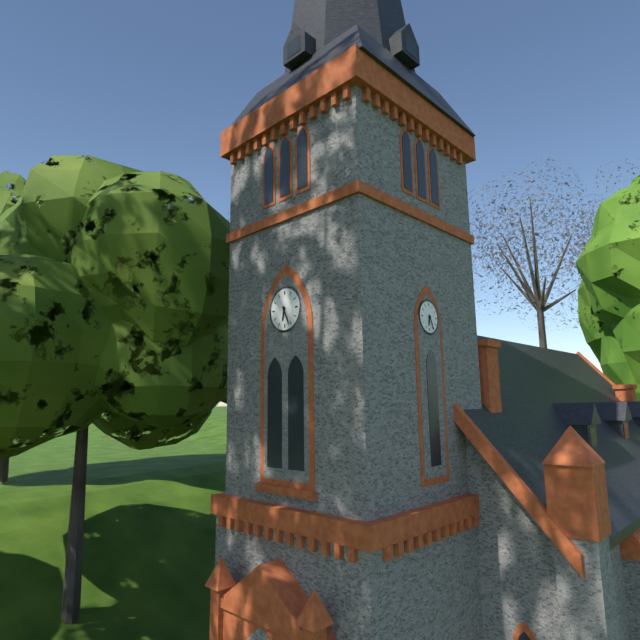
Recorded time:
{"hour": 6, "minute": 26}
